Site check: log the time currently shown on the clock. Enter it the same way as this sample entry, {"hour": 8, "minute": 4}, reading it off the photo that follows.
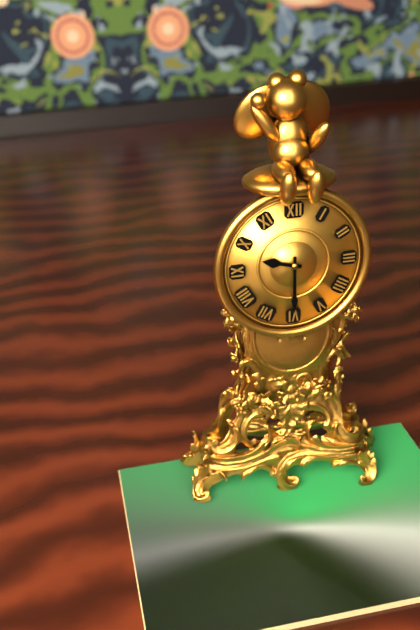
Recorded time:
{"hour": 9, "minute": 30}
